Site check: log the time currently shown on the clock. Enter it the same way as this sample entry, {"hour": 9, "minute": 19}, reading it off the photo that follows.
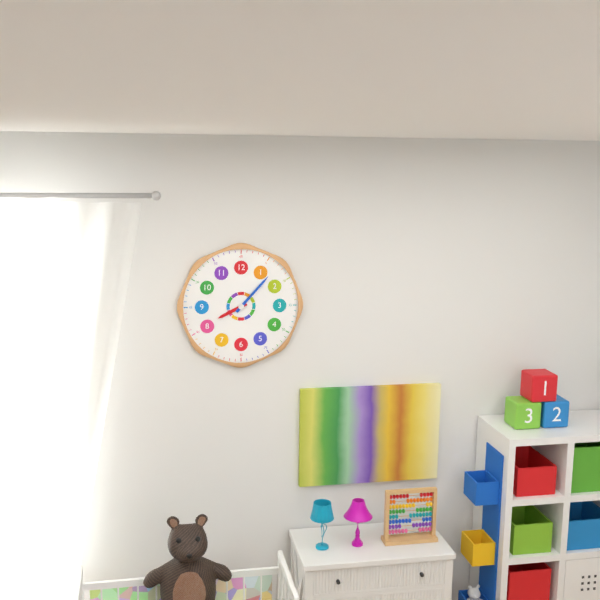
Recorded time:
{"hour": 8, "minute": 7}
